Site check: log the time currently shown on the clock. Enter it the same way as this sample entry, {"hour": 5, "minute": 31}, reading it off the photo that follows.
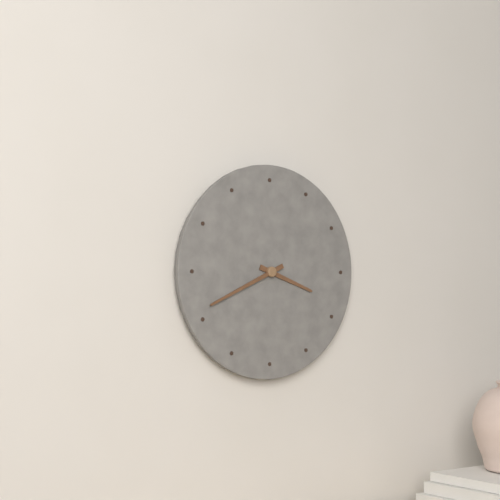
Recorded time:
{"hour": 3, "minute": 41}
